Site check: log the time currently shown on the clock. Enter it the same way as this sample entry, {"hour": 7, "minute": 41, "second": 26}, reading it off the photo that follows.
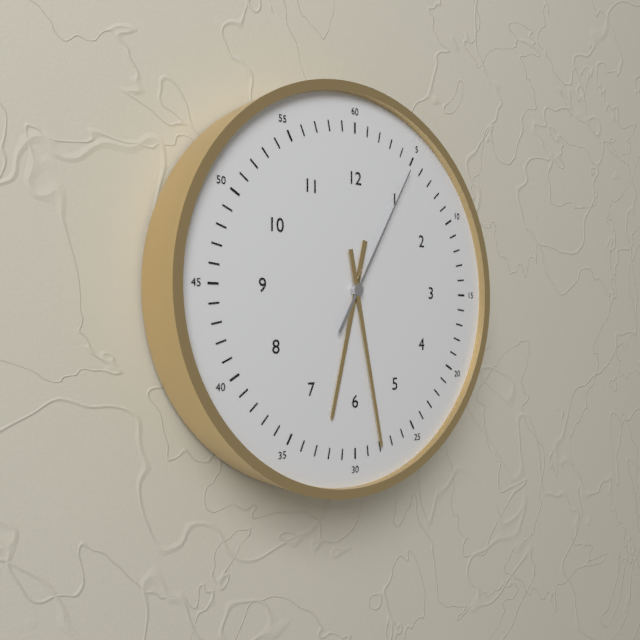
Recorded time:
{"hour": 6, "minute": 28, "second": 5}
